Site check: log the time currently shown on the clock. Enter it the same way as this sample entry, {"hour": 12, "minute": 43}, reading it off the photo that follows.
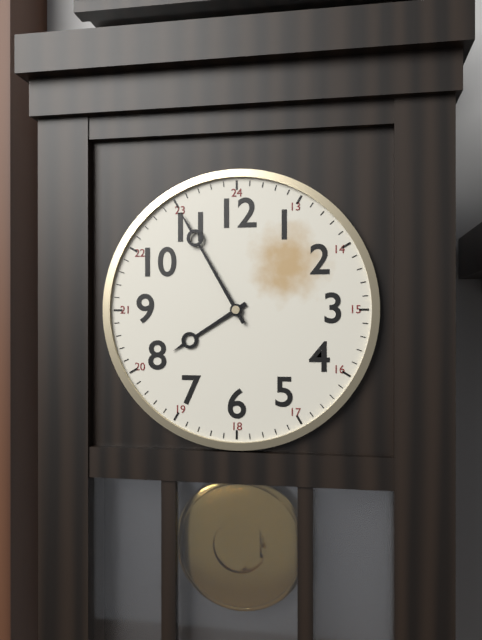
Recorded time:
{"hour": 7, "minute": 55}
